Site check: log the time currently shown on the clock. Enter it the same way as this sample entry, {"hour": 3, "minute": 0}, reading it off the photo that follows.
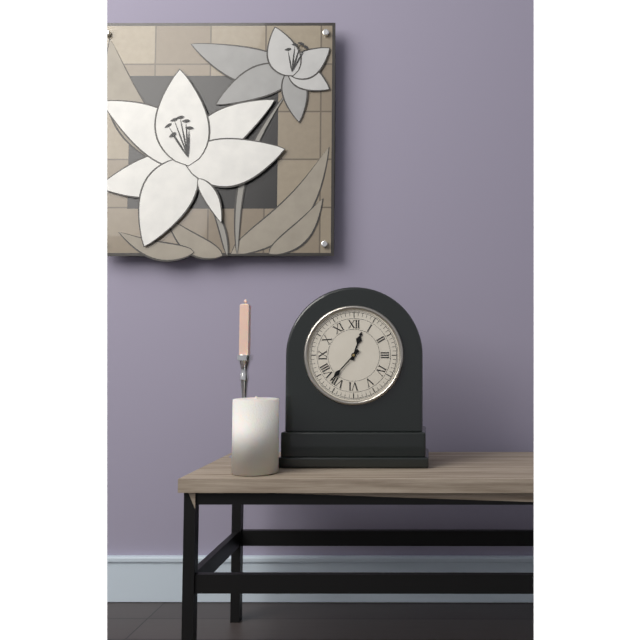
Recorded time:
{"hour": 12, "minute": 37}
